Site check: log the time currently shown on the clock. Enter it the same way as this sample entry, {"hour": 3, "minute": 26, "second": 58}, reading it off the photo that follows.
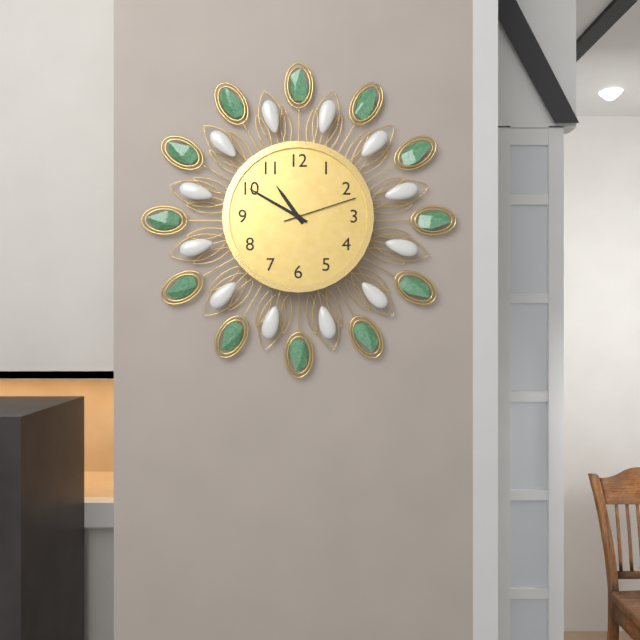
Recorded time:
{"hour": 10, "minute": 50, "second": 12}
